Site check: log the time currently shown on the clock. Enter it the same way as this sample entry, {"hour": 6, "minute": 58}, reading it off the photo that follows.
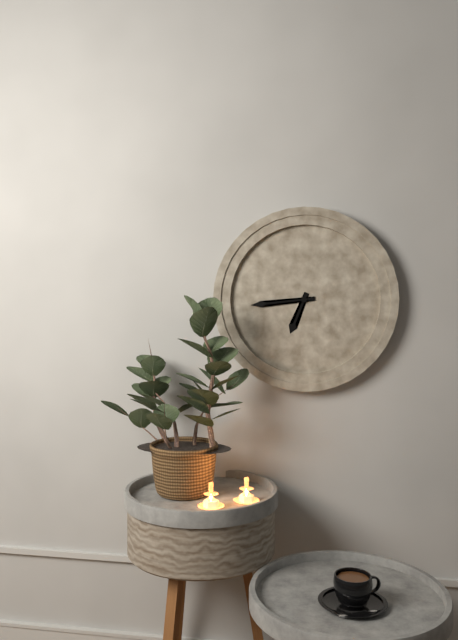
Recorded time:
{"hour": 6, "minute": 44}
